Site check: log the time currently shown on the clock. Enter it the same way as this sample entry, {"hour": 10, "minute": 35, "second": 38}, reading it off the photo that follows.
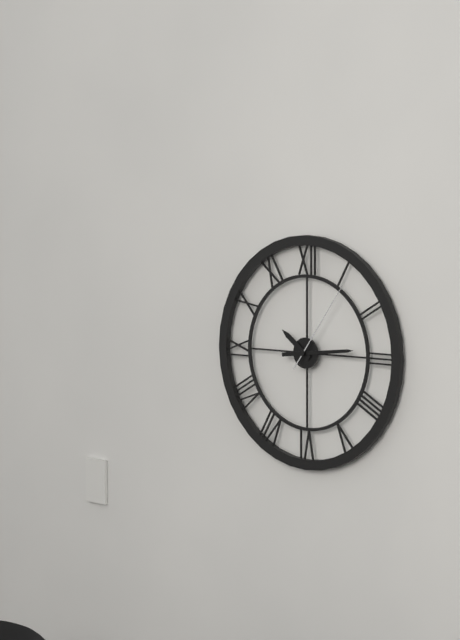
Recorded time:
{"hour": 10, "minute": 14, "second": 6}
